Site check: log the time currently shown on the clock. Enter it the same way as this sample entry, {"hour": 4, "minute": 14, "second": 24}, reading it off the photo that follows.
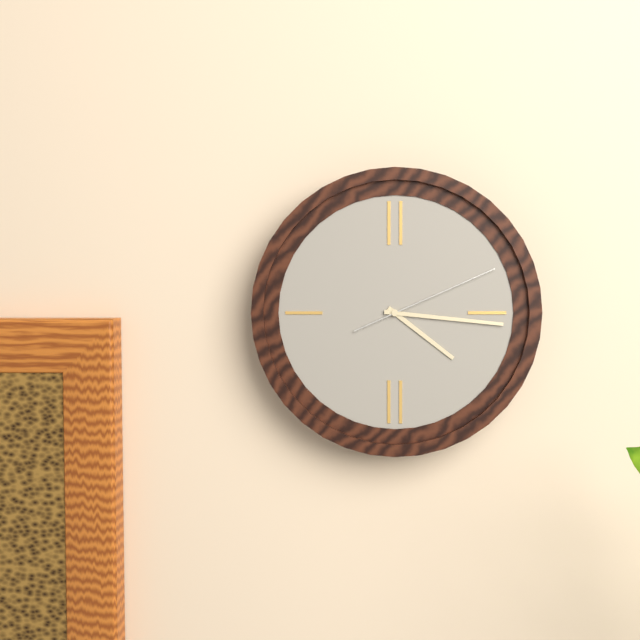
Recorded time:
{"hour": 4, "minute": 16, "second": 11}
